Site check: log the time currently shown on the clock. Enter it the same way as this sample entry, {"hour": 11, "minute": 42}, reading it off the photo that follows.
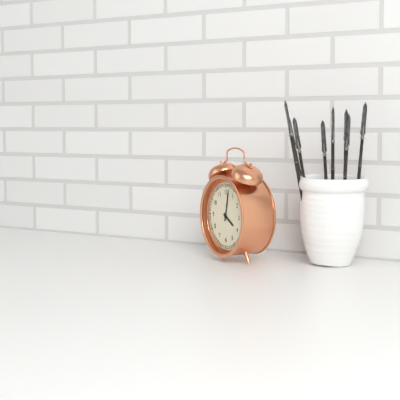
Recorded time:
{"hour": 4, "minute": 2}
